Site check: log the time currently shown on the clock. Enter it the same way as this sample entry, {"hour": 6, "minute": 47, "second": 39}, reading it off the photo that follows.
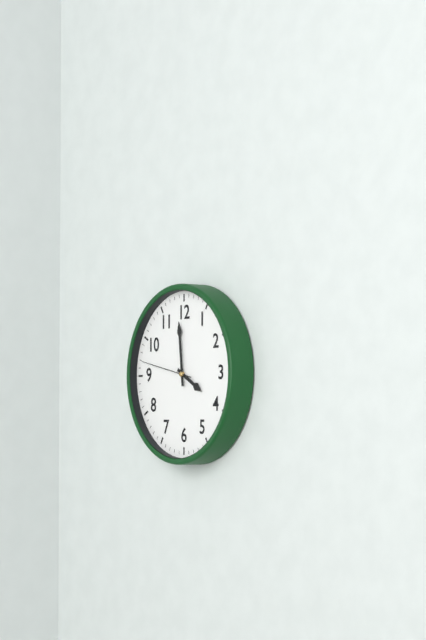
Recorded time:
{"hour": 3, "minute": 59, "second": 47}
